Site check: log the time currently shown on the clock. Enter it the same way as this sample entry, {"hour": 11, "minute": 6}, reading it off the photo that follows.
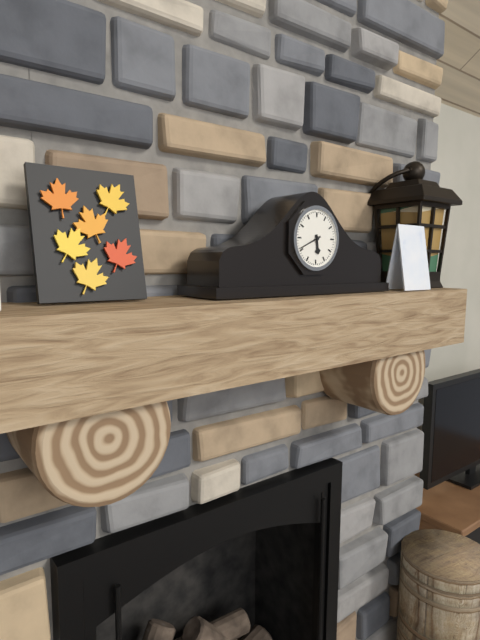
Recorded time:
{"hour": 5, "minute": 41}
